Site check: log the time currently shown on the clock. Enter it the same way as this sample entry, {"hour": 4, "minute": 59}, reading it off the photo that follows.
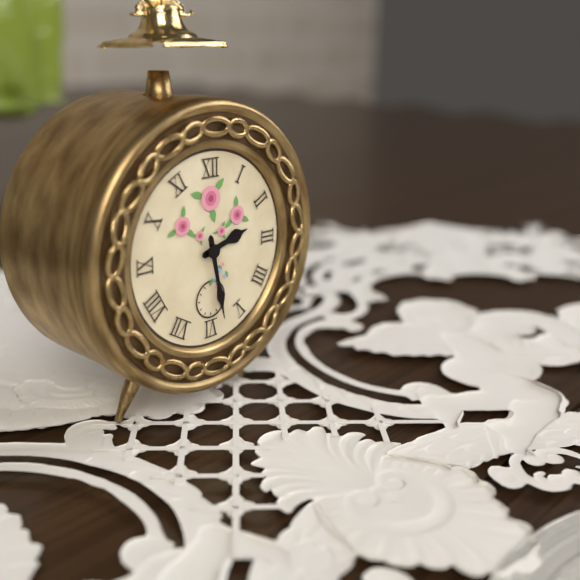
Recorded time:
{"hour": 2, "minute": 28}
